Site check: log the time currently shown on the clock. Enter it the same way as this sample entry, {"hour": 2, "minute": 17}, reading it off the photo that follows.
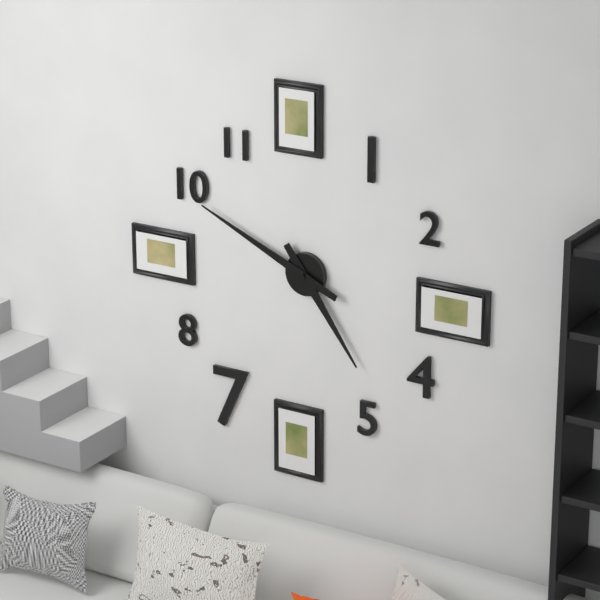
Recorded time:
{"hour": 4, "minute": 49}
